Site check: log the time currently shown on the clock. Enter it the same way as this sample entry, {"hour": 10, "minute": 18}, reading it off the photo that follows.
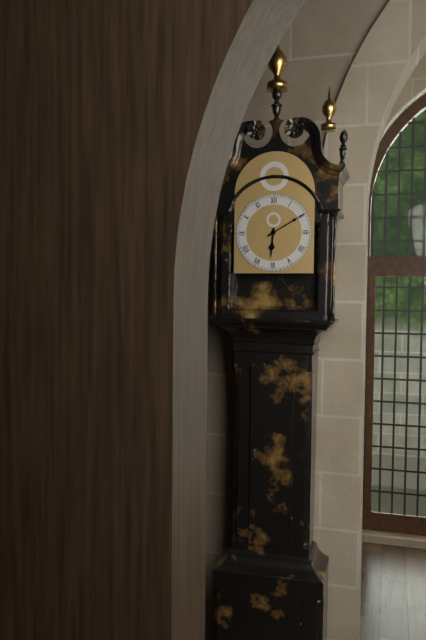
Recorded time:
{"hour": 6, "minute": 10}
